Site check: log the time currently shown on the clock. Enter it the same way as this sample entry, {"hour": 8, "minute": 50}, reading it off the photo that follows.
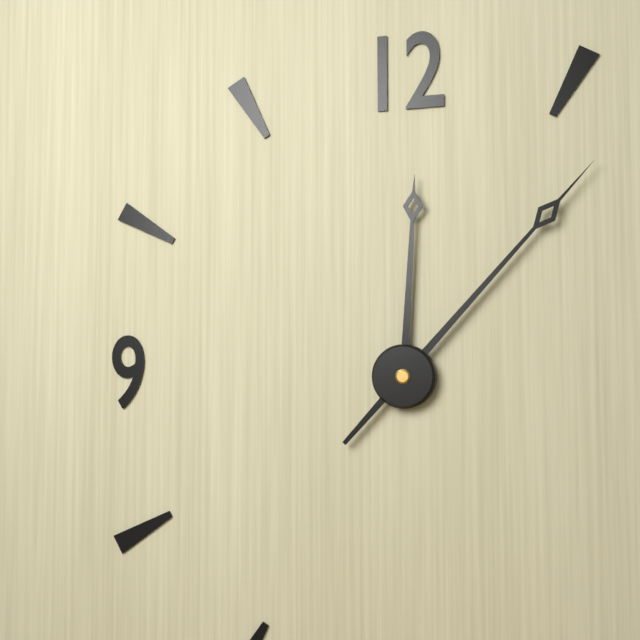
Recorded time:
{"hour": 12, "minute": 7}
